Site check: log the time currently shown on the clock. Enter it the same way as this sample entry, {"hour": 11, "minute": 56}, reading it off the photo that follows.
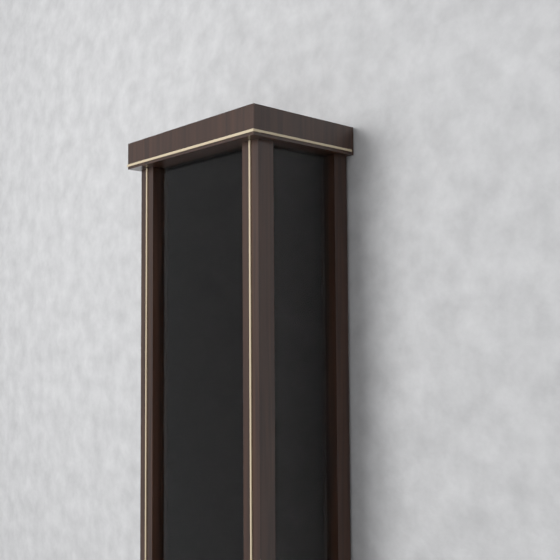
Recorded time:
{"hour": 5, "minute": 47}
